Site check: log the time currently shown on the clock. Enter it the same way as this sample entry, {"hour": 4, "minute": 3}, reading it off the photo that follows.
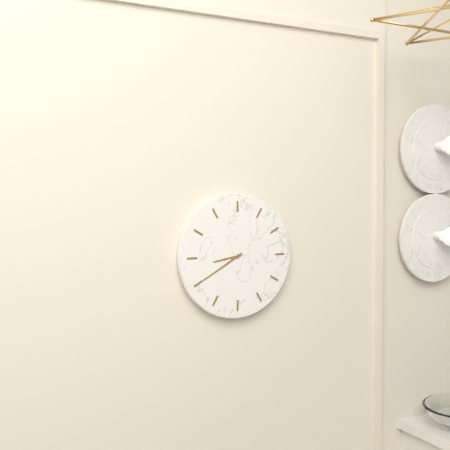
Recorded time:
{"hour": 8, "minute": 40}
